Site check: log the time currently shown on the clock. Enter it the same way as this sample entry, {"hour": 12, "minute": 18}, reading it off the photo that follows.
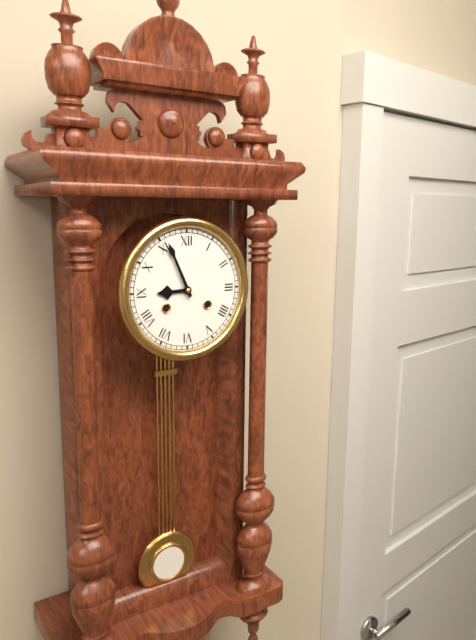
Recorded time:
{"hour": 8, "minute": 56}
